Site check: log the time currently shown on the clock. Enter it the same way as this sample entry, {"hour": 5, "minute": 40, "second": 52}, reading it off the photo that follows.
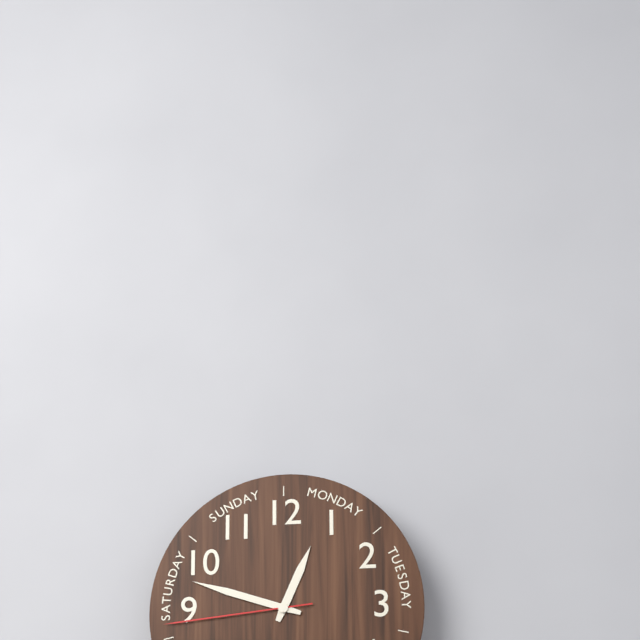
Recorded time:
{"hour": 12, "minute": 48, "second": 44}
